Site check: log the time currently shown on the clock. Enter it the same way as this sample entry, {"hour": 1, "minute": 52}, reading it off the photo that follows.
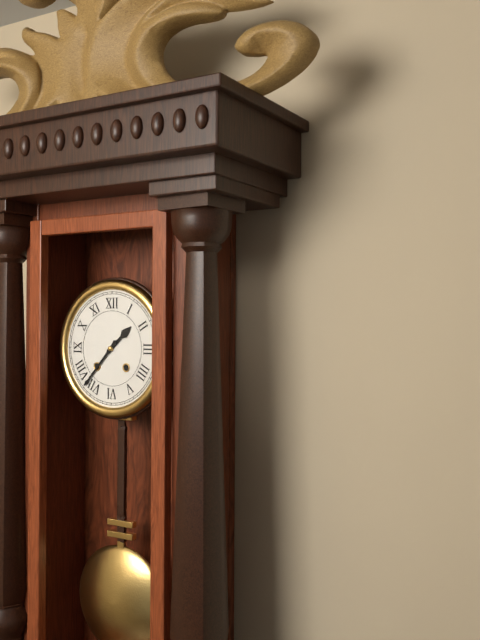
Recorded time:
{"hour": 1, "minute": 37}
